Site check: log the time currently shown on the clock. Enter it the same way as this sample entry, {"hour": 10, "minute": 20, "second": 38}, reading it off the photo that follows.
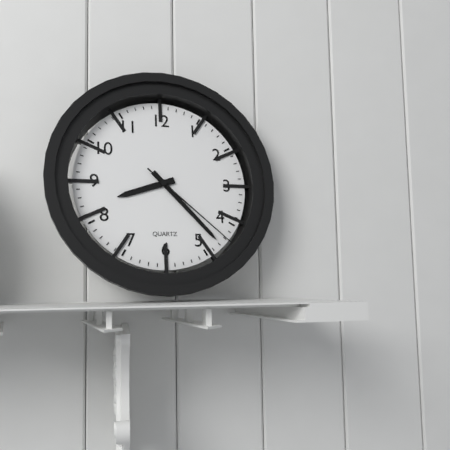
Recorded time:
{"hour": 8, "minute": 23, "second": 22}
